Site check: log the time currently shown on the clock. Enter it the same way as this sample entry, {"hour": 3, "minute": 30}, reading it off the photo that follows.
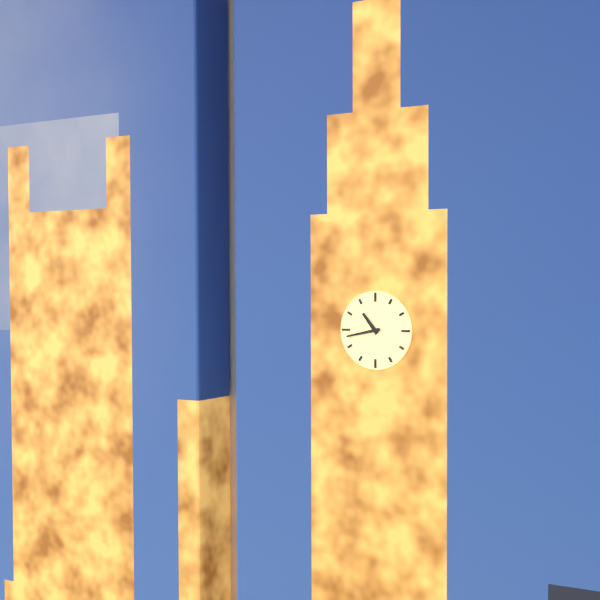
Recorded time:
{"hour": 10, "minute": 43}
